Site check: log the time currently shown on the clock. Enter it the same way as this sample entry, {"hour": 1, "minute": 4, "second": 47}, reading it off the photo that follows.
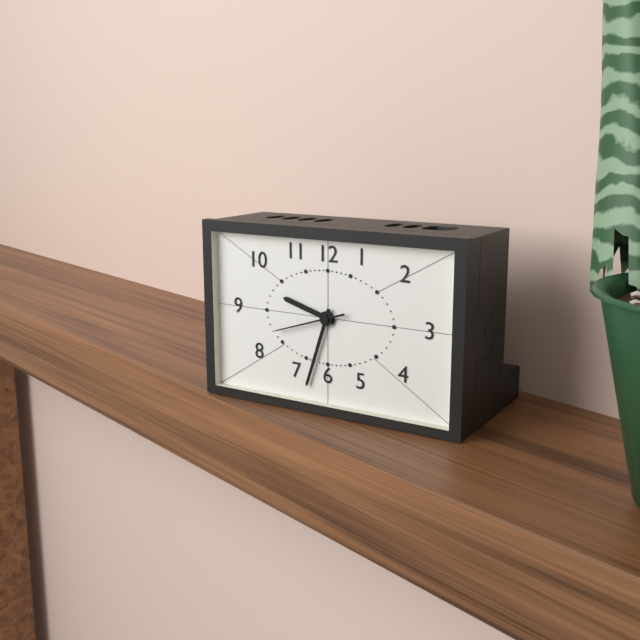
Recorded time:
{"hour": 9, "minute": 33, "second": 42}
